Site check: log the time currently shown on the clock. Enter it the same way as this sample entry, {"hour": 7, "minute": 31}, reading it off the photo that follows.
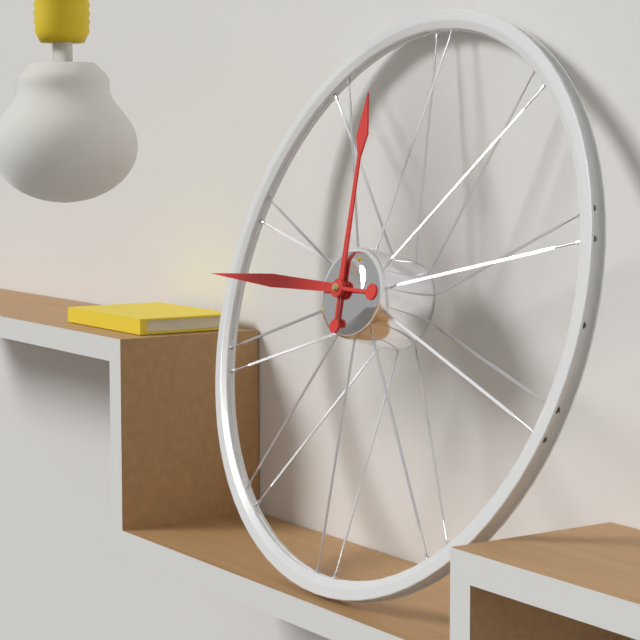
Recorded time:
{"hour": 11, "minute": 45}
